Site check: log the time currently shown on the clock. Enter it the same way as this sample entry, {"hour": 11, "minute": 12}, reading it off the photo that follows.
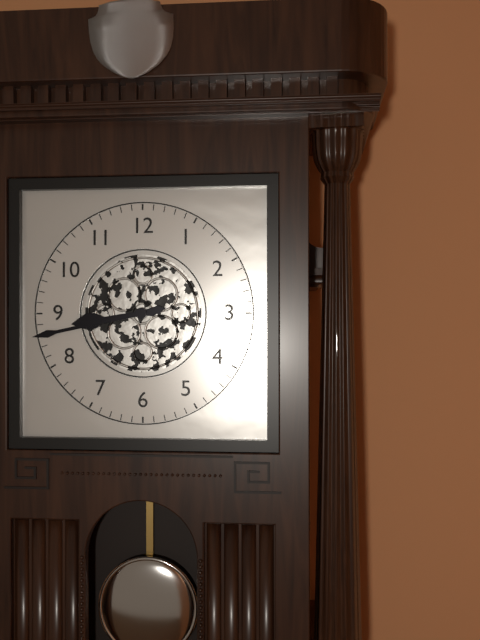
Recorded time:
{"hour": 8, "minute": 43}
